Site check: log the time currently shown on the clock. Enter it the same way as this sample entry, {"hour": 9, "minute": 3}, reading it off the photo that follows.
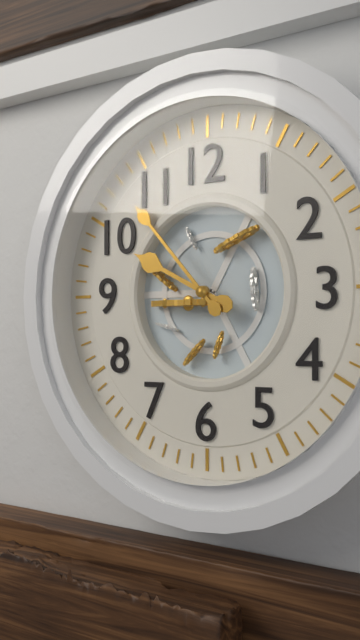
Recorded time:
{"hour": 9, "minute": 53}
